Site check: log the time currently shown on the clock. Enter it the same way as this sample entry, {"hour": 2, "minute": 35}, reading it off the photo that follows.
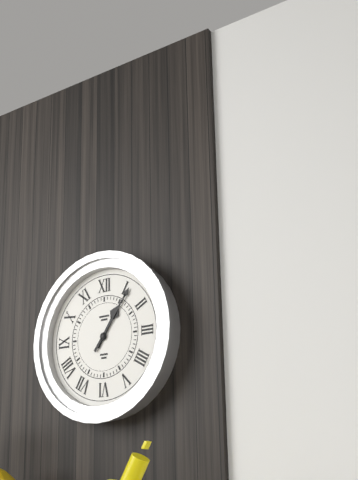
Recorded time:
{"hour": 1, "minute": 6}
